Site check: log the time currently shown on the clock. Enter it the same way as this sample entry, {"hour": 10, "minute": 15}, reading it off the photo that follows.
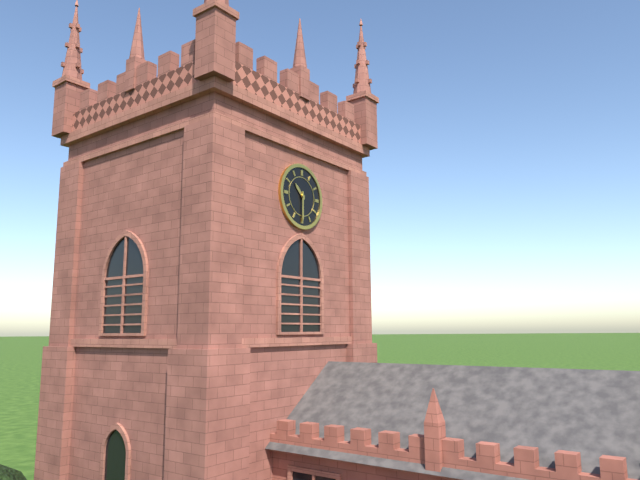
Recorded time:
{"hour": 10, "minute": 30}
